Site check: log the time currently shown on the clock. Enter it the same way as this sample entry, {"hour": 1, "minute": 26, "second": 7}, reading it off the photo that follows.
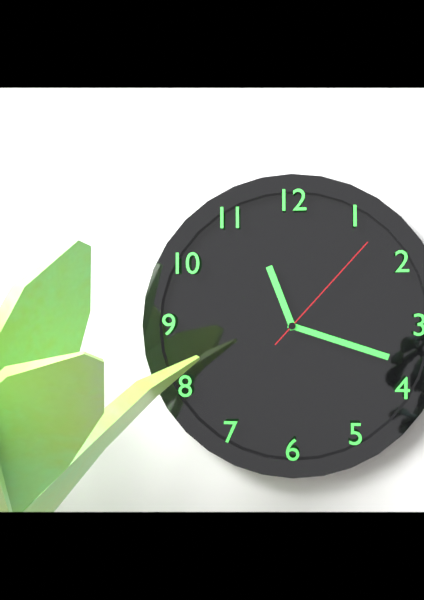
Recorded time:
{"hour": 11, "minute": 18, "second": 7}
